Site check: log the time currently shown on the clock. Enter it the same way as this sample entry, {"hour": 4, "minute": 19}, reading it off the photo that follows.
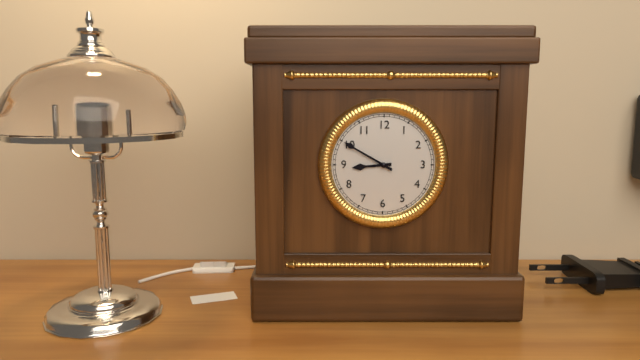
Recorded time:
{"hour": 8, "minute": 50}
